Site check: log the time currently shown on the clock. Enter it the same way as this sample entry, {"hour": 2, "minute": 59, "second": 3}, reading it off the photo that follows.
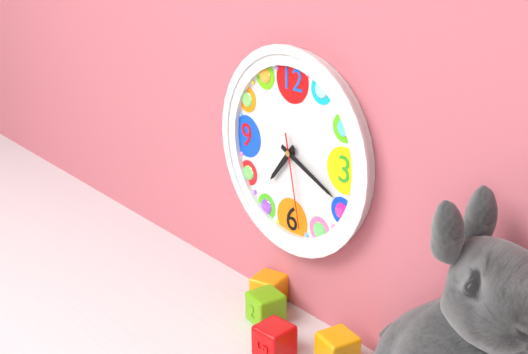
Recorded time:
{"hour": 7, "minute": 19, "second": 28}
